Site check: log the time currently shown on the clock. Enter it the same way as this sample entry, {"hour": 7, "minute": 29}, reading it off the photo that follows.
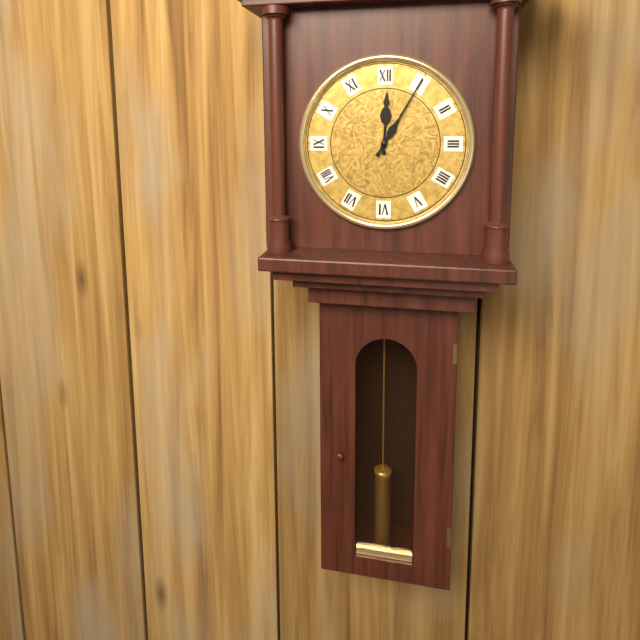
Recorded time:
{"hour": 12, "minute": 5}
